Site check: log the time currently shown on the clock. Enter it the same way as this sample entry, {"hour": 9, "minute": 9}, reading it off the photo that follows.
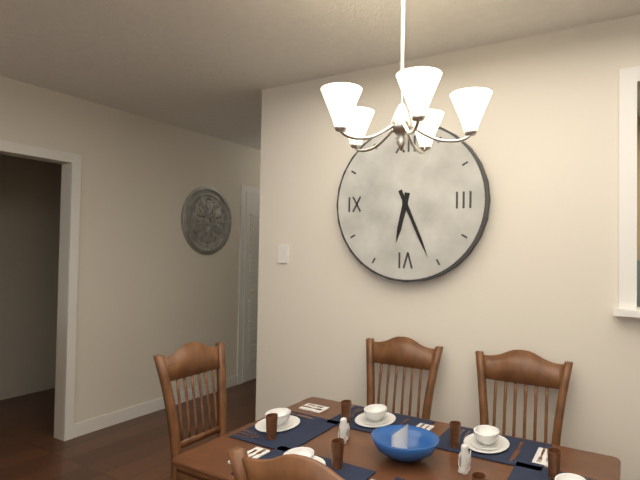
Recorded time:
{"hour": 6, "minute": 26}
